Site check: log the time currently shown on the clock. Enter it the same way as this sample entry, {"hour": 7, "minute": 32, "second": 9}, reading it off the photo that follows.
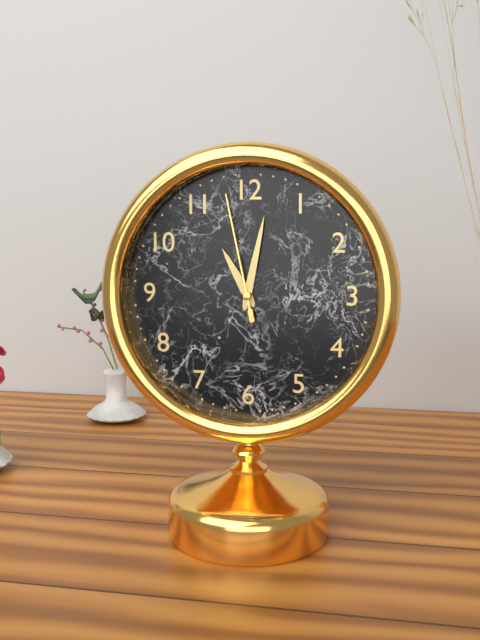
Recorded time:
{"hour": 11, "minute": 2, "second": 58}
